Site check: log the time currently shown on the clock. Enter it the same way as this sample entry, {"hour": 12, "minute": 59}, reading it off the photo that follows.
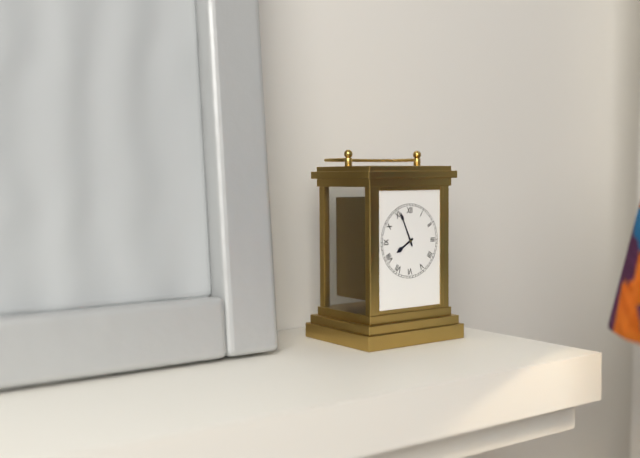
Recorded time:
{"hour": 7, "minute": 56}
